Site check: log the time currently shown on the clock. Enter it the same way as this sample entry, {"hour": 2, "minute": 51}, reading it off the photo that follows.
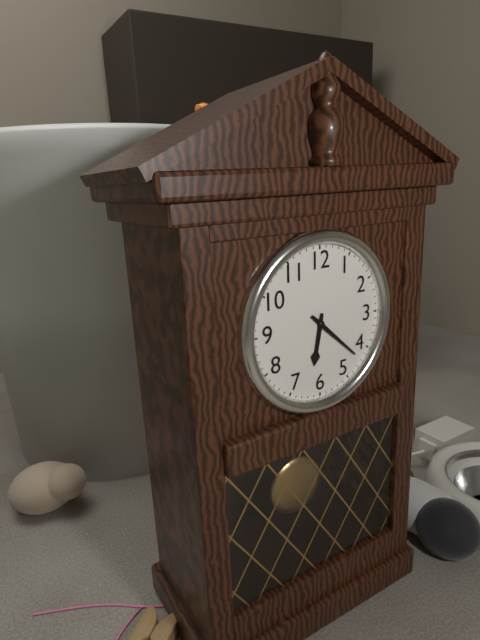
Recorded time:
{"hour": 6, "minute": 22}
